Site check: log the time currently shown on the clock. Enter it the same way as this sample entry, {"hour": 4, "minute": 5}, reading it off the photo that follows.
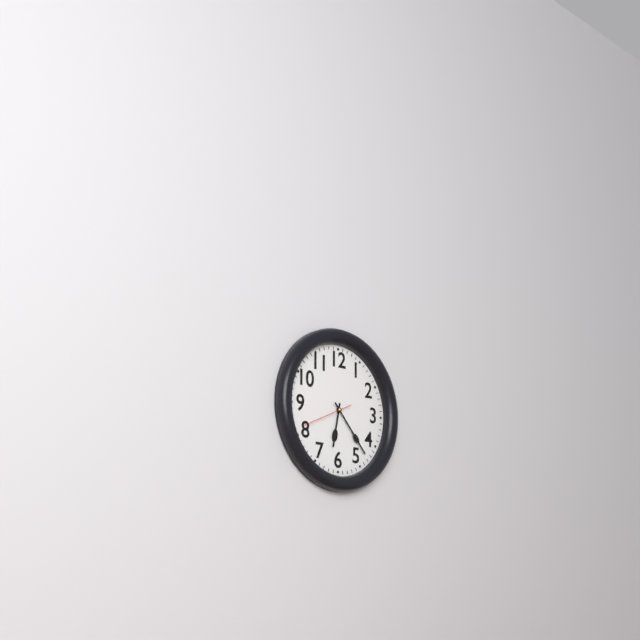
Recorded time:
{"hour": 6, "minute": 23}
